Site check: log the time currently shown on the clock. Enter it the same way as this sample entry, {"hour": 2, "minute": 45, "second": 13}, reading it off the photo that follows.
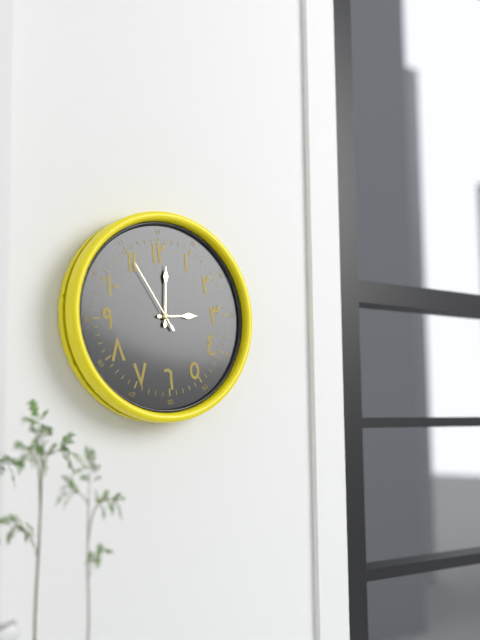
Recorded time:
{"hour": 3, "minute": 1, "second": 55}
